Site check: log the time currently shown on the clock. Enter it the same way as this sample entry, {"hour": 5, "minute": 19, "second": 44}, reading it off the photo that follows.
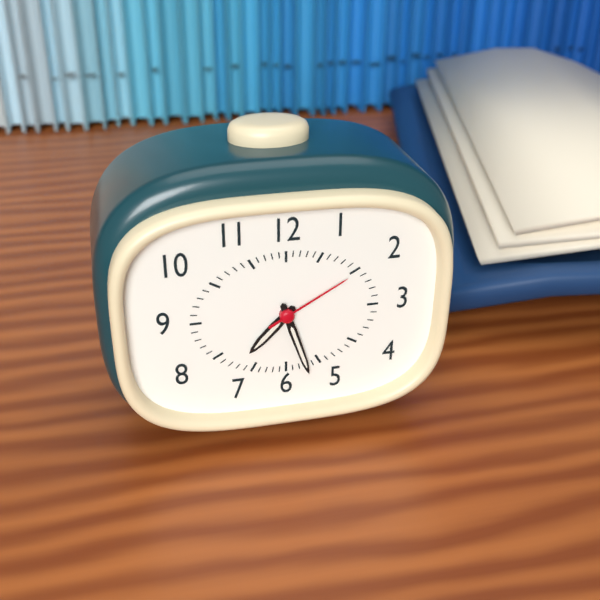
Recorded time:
{"hour": 7, "minute": 27, "second": 10}
